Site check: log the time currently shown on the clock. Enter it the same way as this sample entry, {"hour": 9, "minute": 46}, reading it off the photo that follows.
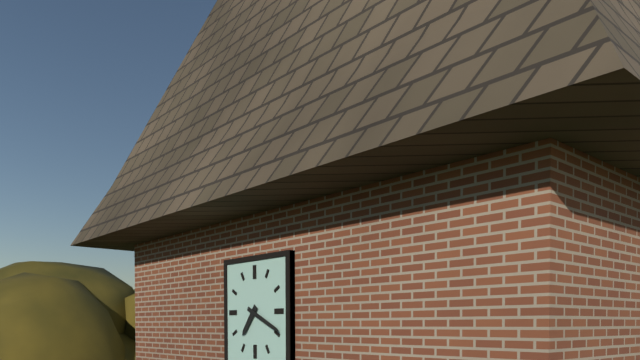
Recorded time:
{"hour": 7, "minute": 19}
